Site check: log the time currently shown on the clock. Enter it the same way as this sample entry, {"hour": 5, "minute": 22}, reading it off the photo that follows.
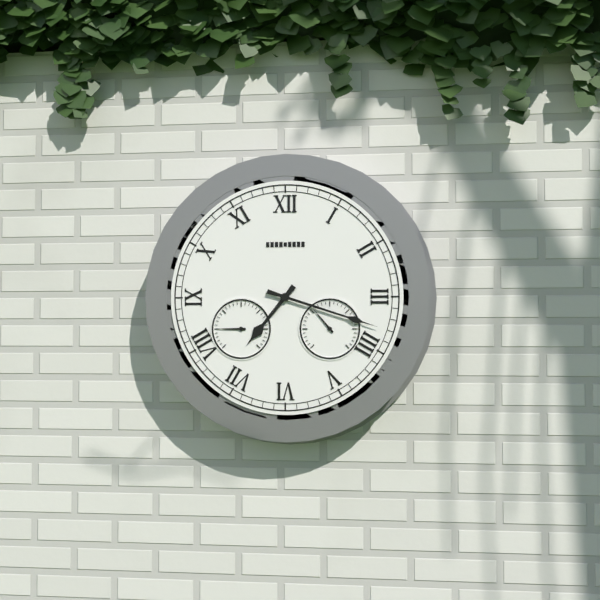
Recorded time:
{"hour": 7, "minute": 18}
